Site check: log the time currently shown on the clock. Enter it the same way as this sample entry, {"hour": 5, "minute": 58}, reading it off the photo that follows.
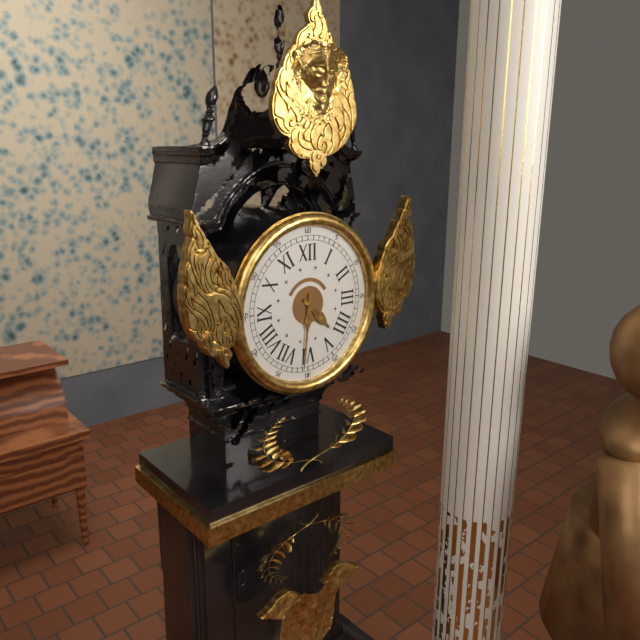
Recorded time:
{"hour": 4, "minute": 31}
